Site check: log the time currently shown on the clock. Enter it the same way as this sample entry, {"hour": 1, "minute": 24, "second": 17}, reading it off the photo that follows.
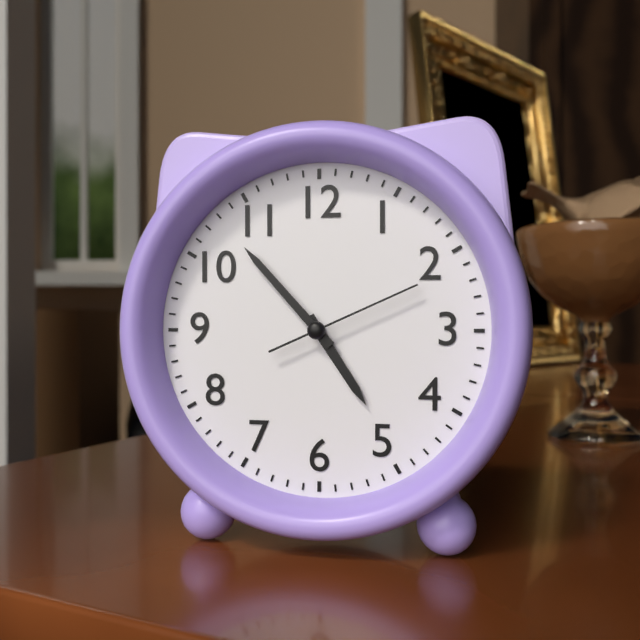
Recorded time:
{"hour": 4, "minute": 53, "second": 11}
